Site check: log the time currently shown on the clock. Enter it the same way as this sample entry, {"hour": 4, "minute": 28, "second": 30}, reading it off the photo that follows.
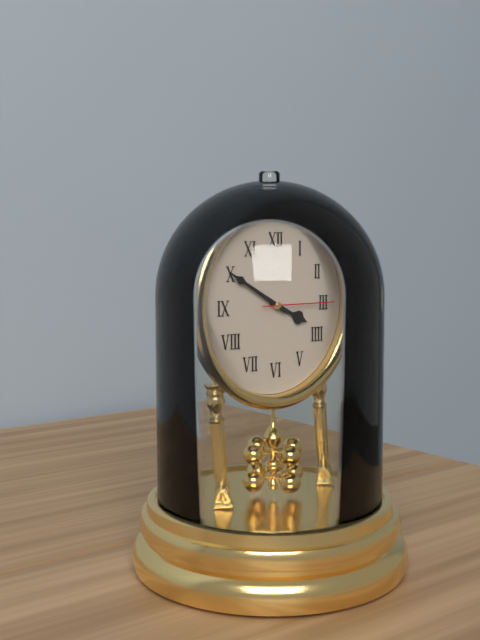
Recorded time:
{"hour": 3, "minute": 50, "second": 15}
